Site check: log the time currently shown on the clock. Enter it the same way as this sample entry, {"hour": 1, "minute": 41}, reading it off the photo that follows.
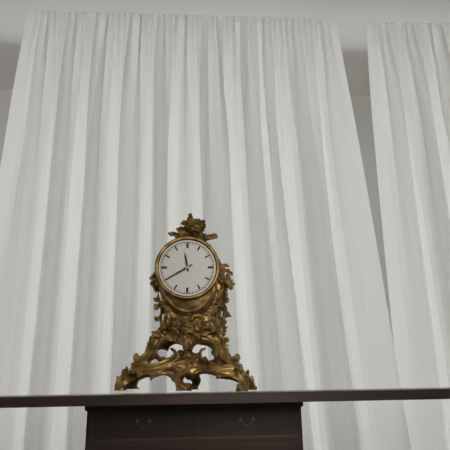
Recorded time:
{"hour": 11, "minute": 40}
